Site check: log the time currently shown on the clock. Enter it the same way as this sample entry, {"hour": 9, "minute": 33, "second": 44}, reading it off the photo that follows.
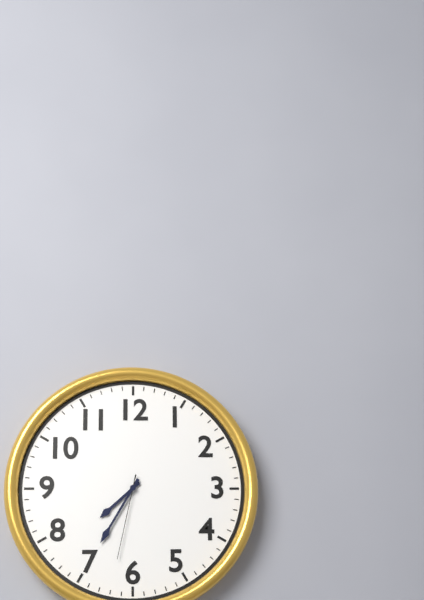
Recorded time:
{"hour": 7, "minute": 35, "second": 32}
